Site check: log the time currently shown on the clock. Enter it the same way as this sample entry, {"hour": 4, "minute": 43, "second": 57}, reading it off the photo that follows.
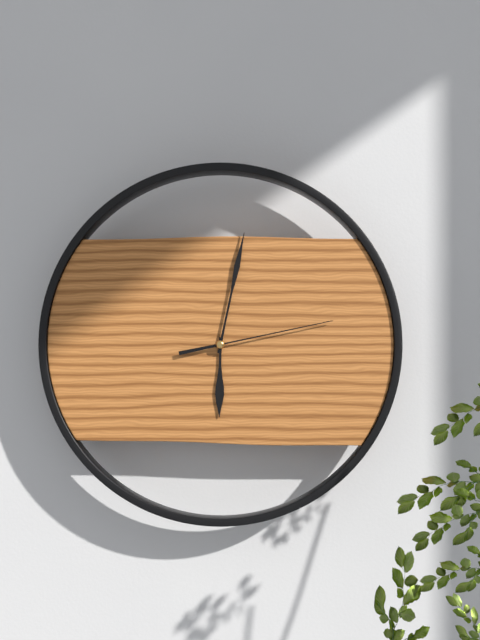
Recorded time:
{"hour": 6, "minute": 2, "second": 13}
